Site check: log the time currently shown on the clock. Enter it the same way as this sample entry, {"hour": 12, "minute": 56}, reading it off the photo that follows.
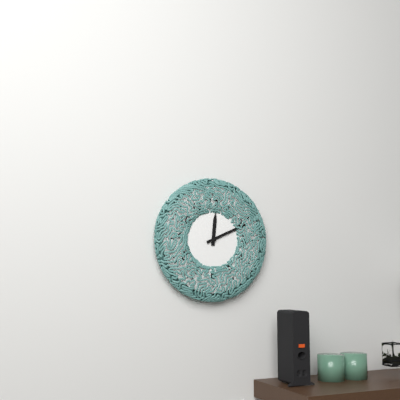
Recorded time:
{"hour": 12, "minute": 11}
